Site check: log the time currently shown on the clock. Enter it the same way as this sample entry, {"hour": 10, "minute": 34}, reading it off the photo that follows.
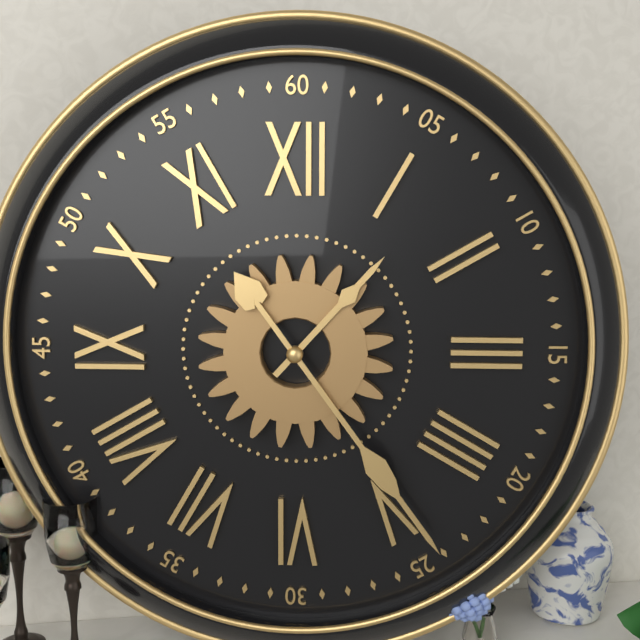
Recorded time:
{"hour": 1, "minute": 24}
